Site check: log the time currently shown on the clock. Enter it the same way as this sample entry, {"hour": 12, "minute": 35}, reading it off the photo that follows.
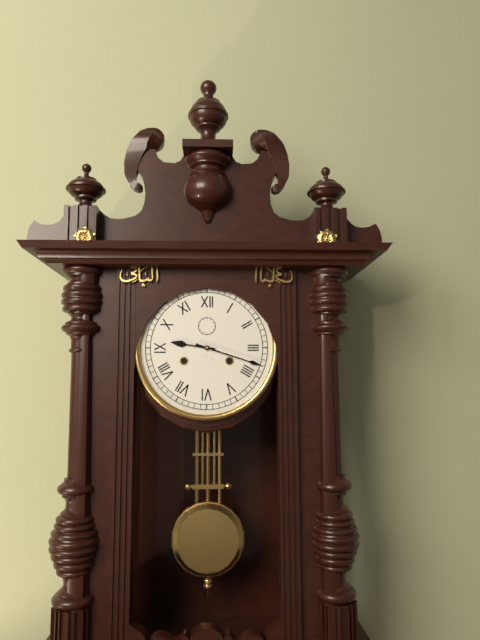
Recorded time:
{"hour": 9, "minute": 18}
